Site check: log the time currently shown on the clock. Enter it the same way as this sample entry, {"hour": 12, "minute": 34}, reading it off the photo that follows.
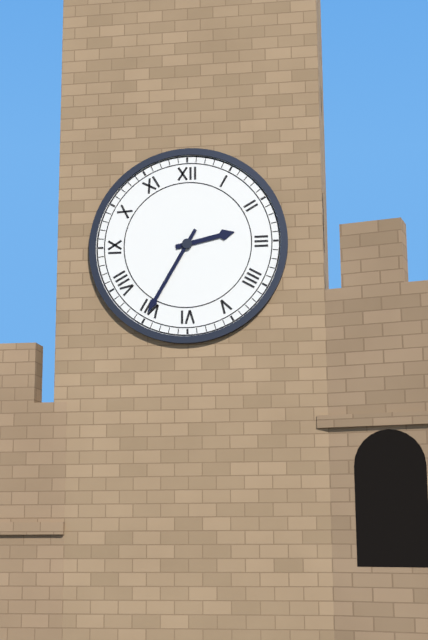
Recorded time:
{"hour": 2, "minute": 35}
